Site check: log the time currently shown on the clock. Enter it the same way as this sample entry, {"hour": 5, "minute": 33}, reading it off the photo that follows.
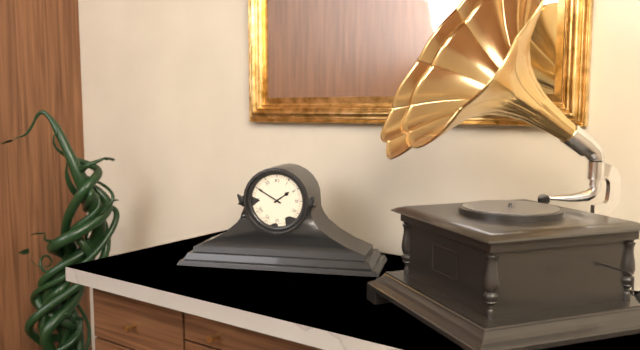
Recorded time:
{"hour": 1, "minute": 50}
